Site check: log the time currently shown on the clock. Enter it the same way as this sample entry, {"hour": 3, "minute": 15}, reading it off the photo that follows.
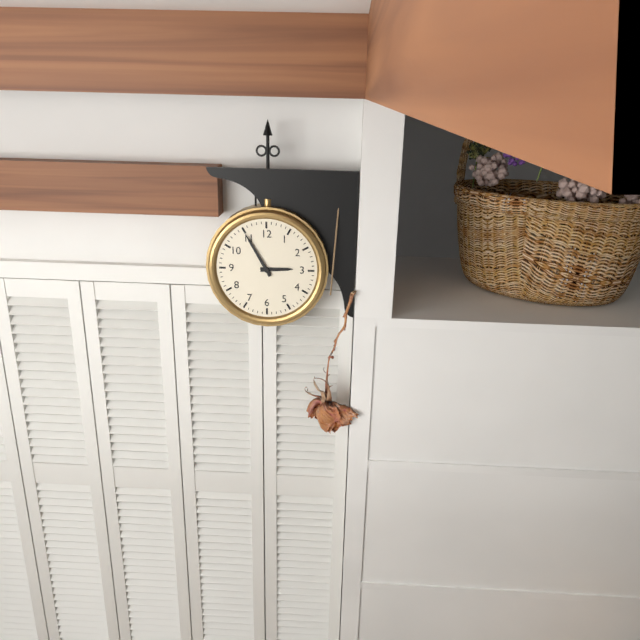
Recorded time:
{"hour": 2, "minute": 55}
